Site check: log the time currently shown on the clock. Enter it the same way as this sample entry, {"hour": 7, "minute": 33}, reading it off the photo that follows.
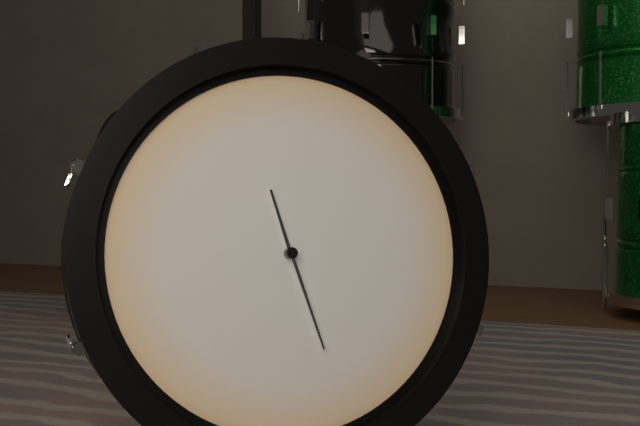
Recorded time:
{"hour": 11, "minute": 27}
